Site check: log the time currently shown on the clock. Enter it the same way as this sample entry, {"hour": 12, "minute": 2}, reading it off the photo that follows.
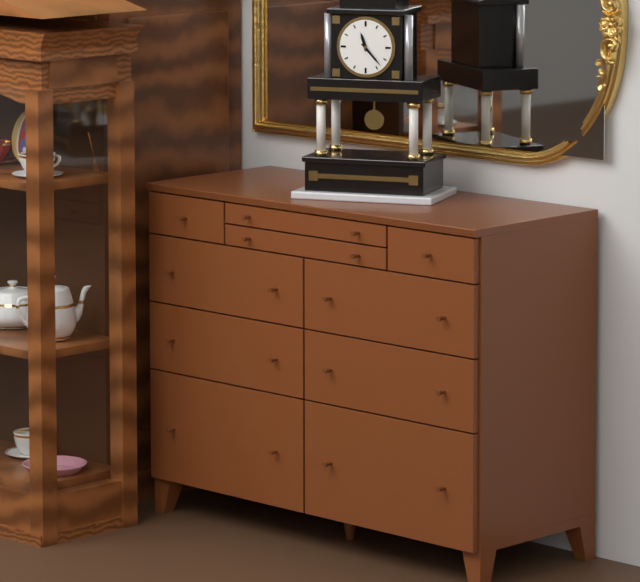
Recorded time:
{"hour": 11, "minute": 23}
